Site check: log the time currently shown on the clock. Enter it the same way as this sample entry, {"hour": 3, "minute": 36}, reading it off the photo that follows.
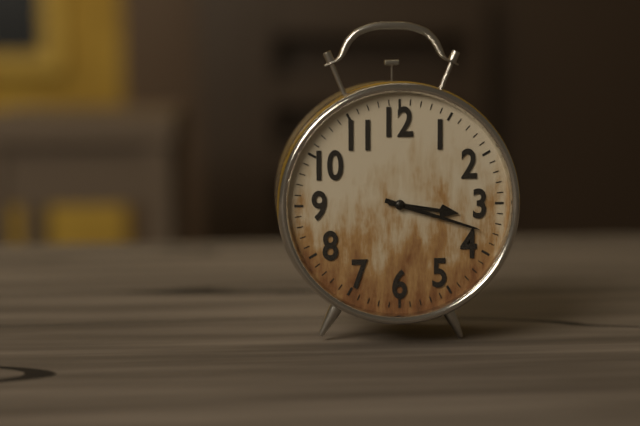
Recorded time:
{"hour": 3, "minute": 18}
